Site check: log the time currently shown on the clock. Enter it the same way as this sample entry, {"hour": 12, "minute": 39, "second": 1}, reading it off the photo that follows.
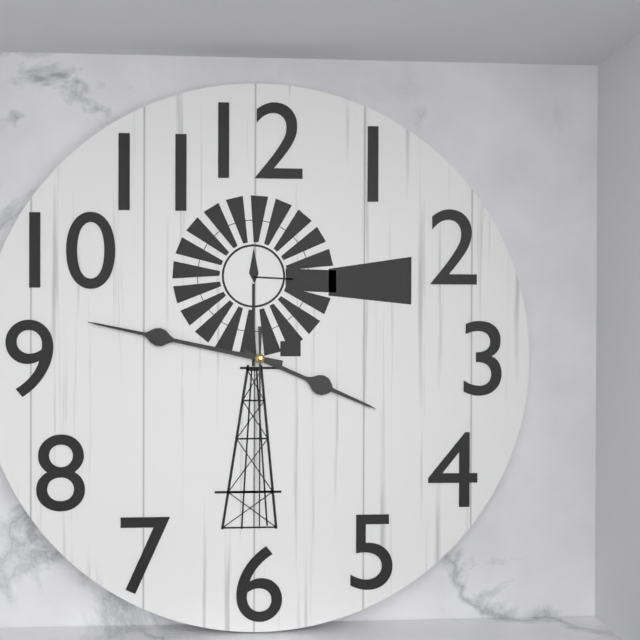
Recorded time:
{"hour": 3, "minute": 47, "second": 30}
